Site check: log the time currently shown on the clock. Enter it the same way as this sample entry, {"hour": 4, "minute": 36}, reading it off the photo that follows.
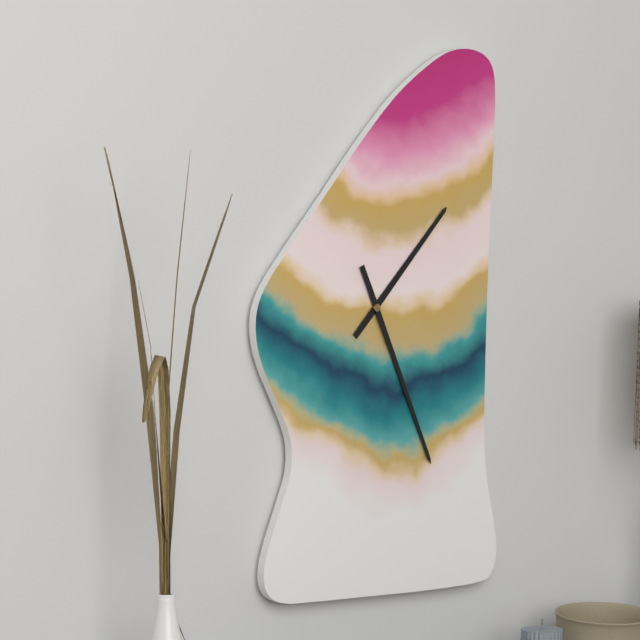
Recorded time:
{"hour": 1, "minute": 26}
